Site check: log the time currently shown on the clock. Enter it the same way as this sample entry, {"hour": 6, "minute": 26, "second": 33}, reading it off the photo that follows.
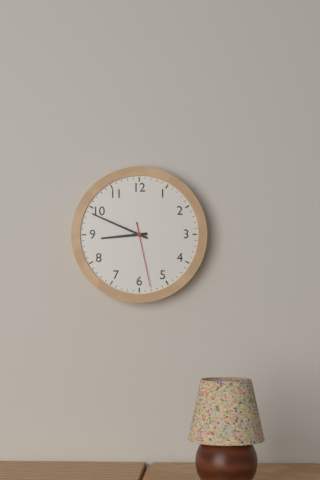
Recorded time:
{"hour": 8, "minute": 49, "second": 28}
